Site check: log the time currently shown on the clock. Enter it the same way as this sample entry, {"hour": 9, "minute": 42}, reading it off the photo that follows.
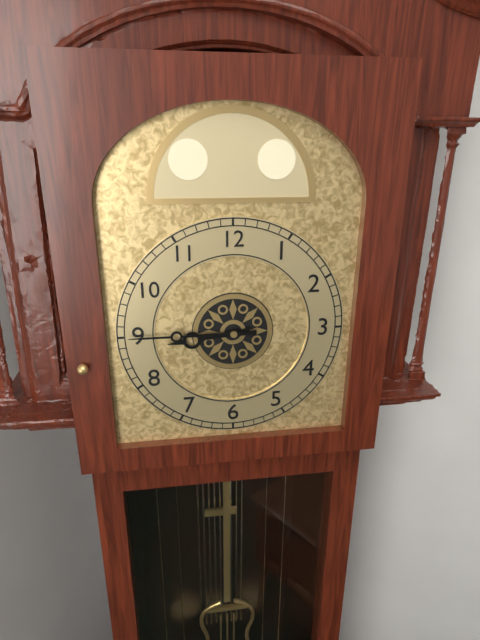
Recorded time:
{"hour": 8, "minute": 45}
